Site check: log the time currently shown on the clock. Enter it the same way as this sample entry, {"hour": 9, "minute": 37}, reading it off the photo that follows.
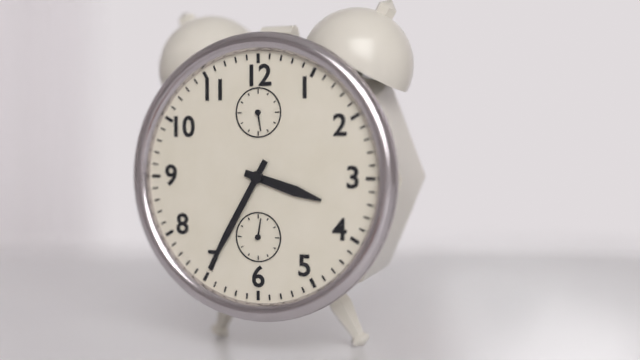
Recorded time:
{"hour": 3, "minute": 35}
